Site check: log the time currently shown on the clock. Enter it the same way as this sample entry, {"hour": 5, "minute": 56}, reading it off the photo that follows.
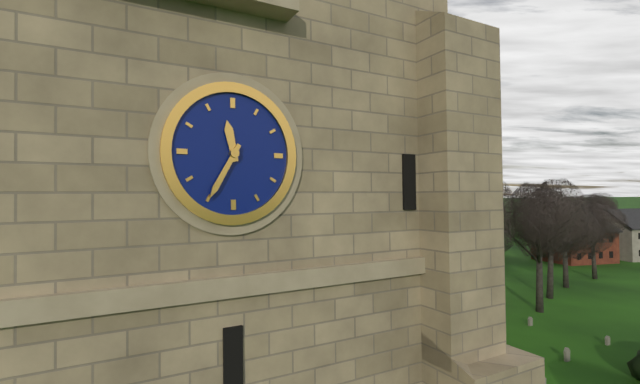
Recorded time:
{"hour": 11, "minute": 35}
